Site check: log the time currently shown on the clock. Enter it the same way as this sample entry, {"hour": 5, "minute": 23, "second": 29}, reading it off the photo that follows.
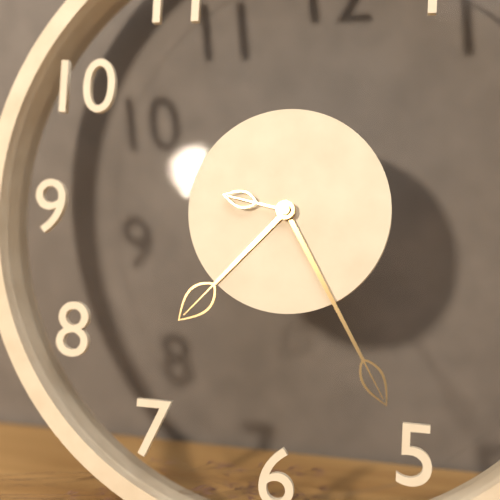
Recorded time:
{"hour": 7, "minute": 25, "second": 47}
